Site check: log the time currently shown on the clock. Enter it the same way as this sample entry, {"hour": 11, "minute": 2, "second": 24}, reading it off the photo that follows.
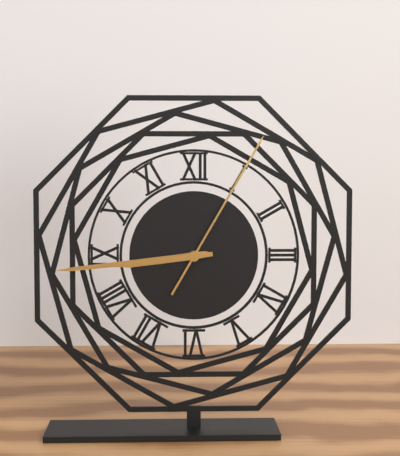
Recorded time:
{"hour": 8, "minute": 44, "second": 5}
